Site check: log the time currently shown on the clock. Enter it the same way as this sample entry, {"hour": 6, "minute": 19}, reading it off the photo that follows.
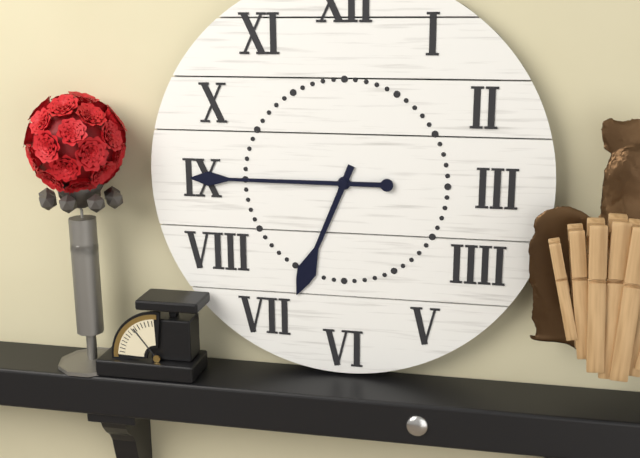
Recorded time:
{"hour": 6, "minute": 45}
